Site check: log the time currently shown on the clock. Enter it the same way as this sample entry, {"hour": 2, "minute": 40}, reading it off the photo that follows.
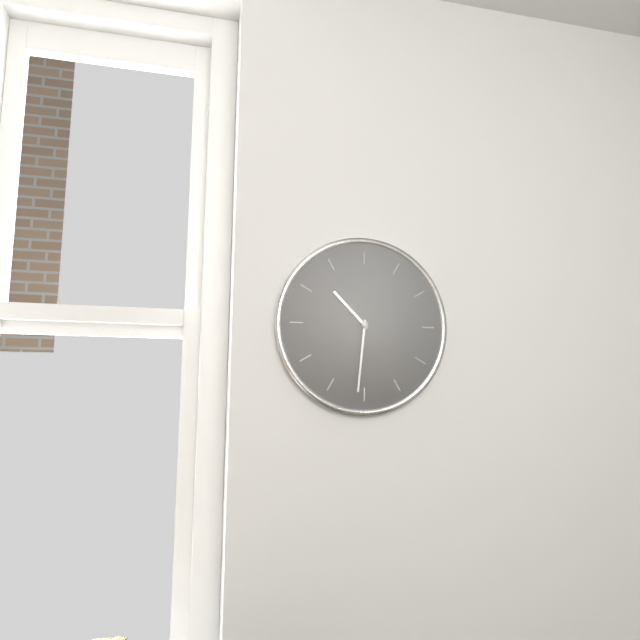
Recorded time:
{"hour": 10, "minute": 31}
